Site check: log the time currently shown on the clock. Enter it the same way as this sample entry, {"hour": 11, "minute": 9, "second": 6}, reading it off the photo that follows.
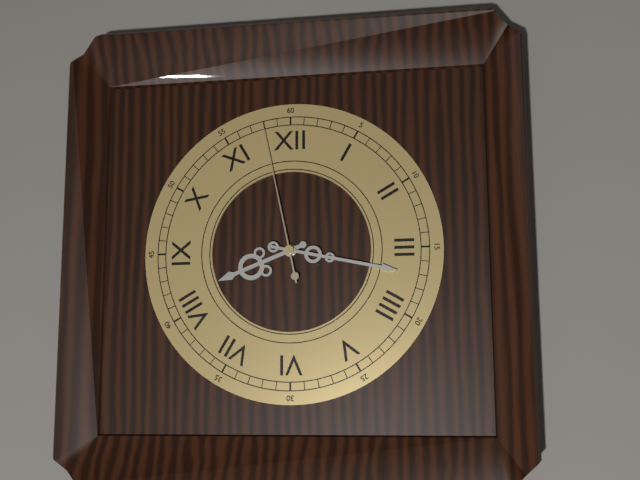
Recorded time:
{"hour": 8, "minute": 17, "second": 58}
